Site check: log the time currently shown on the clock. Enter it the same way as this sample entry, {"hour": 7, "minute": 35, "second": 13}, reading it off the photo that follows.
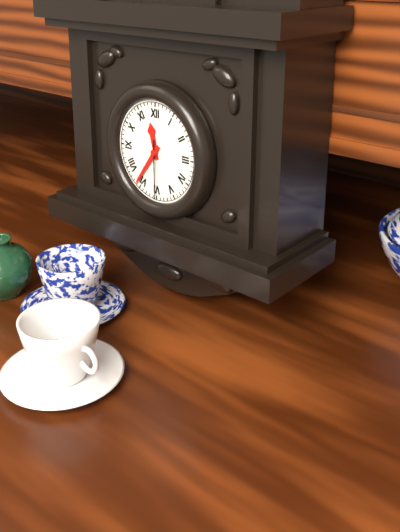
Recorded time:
{"hour": 11, "minute": 36, "second": 30}
